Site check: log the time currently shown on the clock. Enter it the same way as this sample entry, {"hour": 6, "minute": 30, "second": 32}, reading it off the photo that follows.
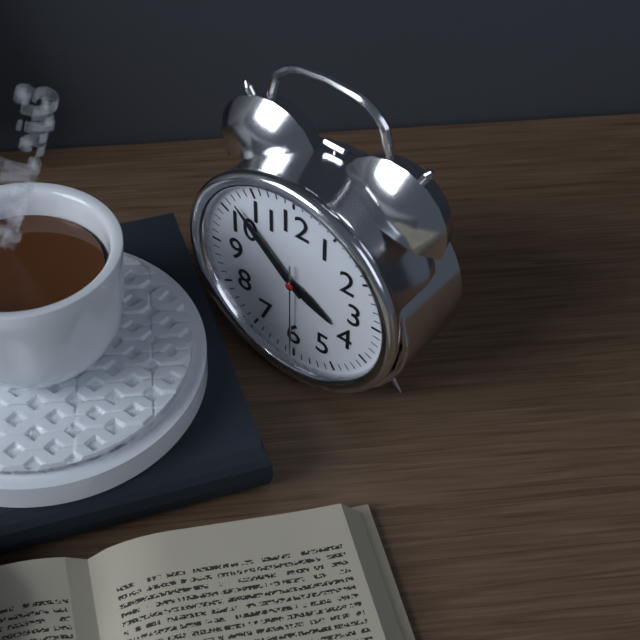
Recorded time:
{"hour": 3, "minute": 52, "second": 30}
